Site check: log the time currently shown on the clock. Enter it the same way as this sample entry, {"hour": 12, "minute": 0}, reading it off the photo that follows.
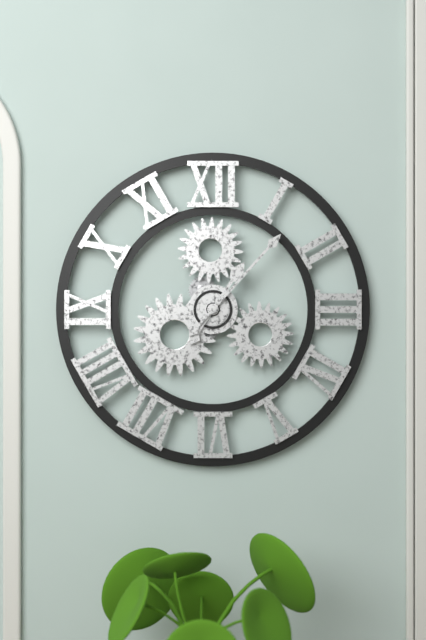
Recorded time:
{"hour": 1, "minute": 7}
